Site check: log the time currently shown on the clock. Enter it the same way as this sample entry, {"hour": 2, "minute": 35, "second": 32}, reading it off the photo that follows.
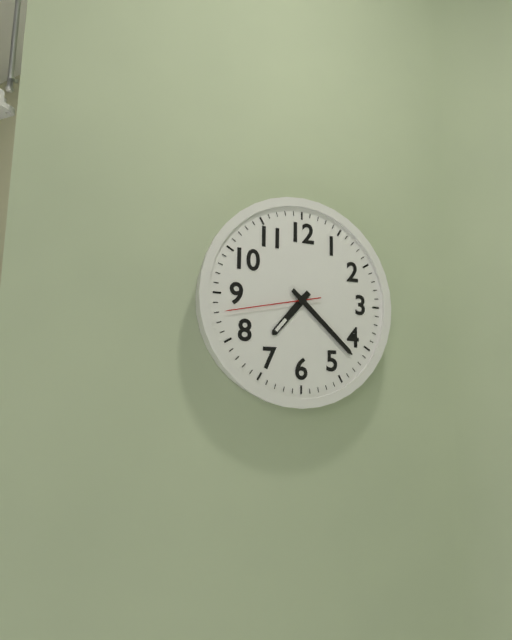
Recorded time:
{"hour": 7, "minute": 22, "second": 43}
